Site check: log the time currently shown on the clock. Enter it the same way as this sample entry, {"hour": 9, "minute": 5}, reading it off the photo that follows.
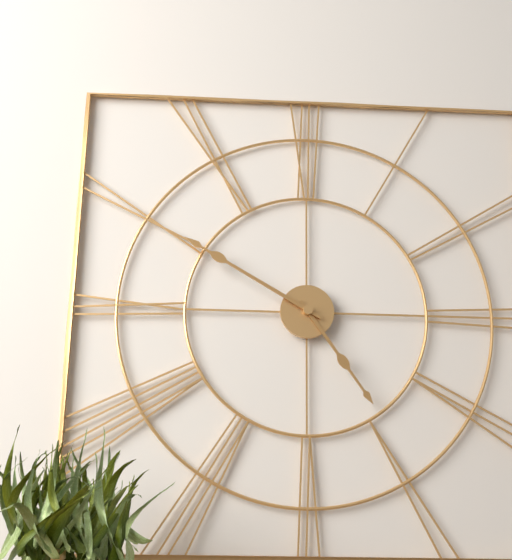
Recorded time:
{"hour": 4, "minute": 50}
